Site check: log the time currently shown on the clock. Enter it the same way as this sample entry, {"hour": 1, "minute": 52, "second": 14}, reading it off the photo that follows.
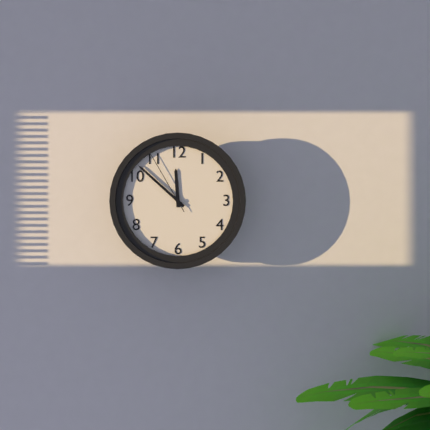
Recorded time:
{"hour": 11, "minute": 52, "second": 55}
